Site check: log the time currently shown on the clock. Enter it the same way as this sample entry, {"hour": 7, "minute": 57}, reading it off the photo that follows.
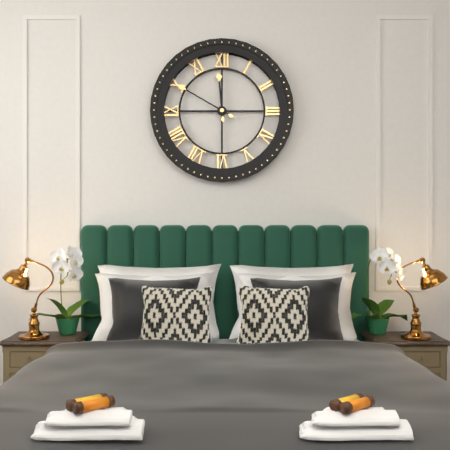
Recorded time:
{"hour": 11, "minute": 50}
